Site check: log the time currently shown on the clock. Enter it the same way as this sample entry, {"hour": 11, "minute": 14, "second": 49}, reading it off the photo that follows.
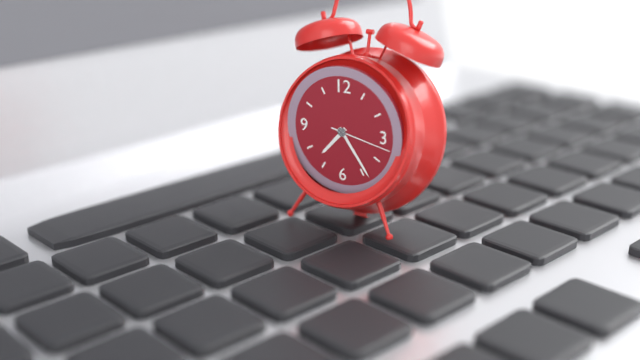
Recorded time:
{"hour": 7, "minute": 24, "second": 17}
